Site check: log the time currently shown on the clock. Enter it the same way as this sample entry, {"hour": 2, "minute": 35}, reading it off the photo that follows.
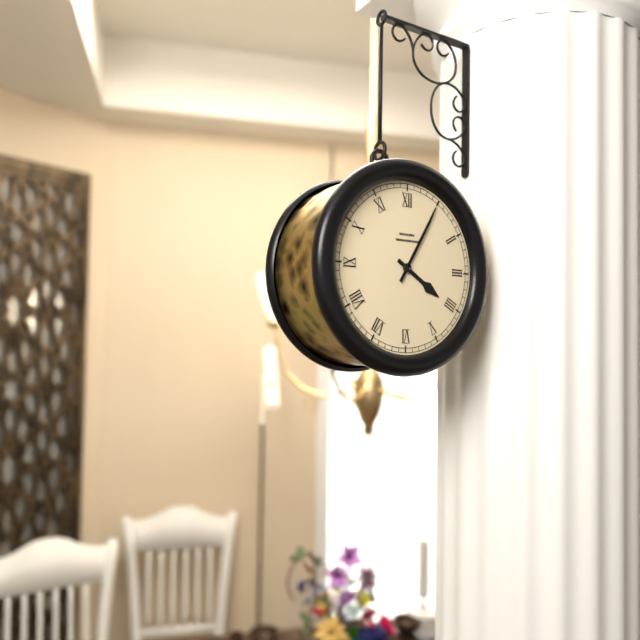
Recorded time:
{"hour": 4, "minute": 5}
